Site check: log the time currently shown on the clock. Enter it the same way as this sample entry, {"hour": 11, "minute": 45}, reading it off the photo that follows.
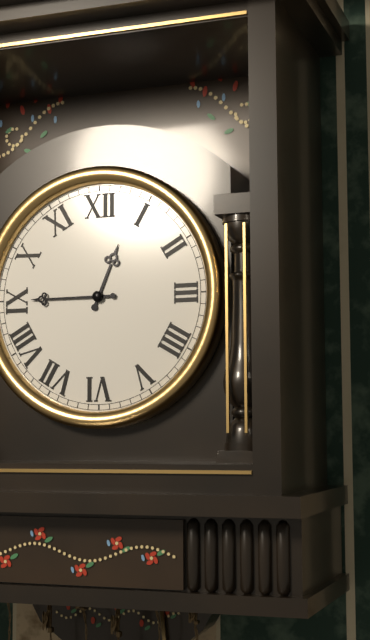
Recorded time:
{"hour": 12, "minute": 45}
